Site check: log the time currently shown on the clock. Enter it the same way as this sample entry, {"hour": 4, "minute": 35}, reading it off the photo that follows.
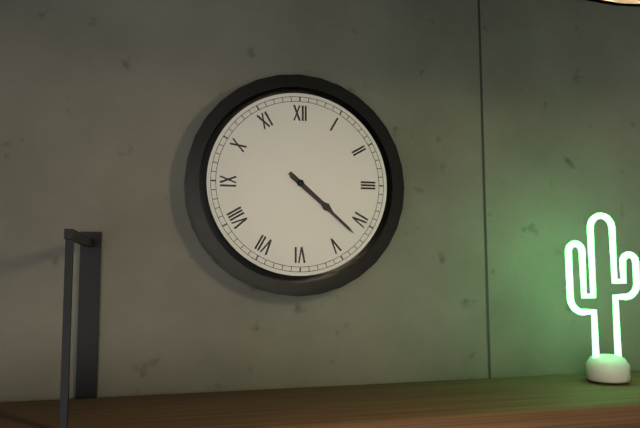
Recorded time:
{"hour": 4, "minute": 22}
